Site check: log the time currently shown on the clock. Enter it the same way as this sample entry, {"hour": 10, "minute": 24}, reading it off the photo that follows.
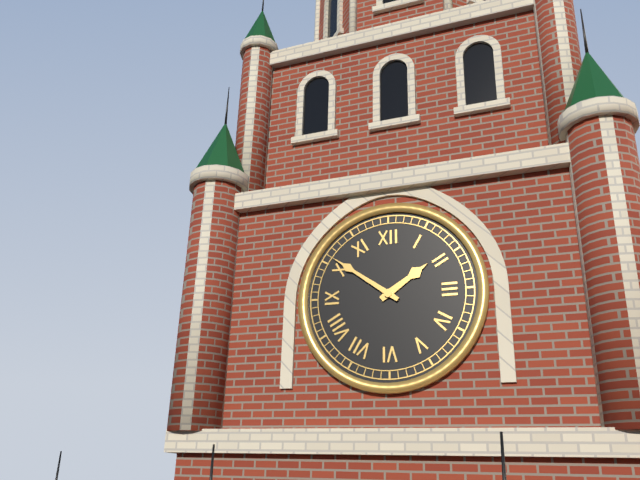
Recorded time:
{"hour": 1, "minute": 51}
